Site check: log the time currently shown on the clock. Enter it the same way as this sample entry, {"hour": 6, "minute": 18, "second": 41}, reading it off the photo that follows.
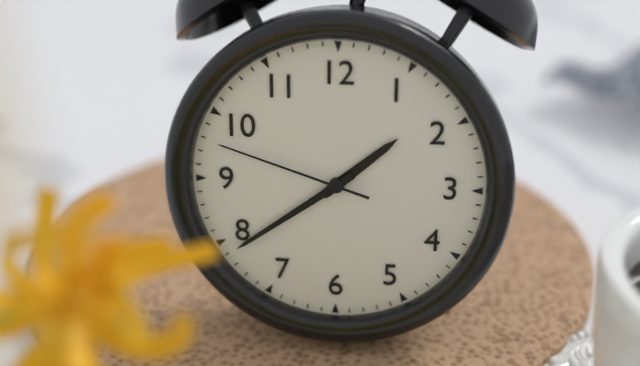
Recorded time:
{"hour": 1, "minute": 39, "second": 48}
